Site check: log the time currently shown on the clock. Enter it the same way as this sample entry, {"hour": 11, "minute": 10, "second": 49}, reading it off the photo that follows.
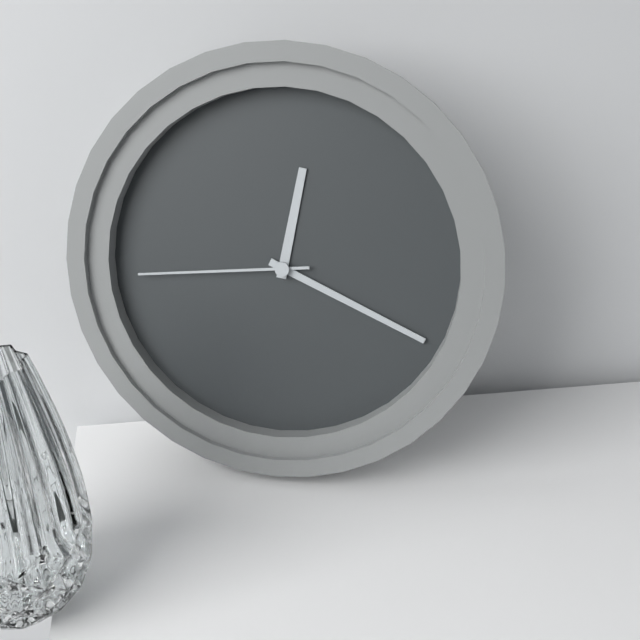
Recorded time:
{"hour": 12, "minute": 19, "second": 44}
